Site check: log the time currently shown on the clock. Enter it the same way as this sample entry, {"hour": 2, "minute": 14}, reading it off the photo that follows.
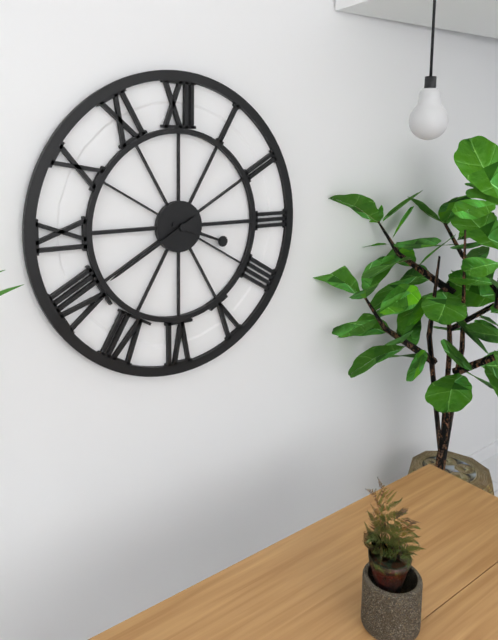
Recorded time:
{"hour": 3, "minute": 40}
